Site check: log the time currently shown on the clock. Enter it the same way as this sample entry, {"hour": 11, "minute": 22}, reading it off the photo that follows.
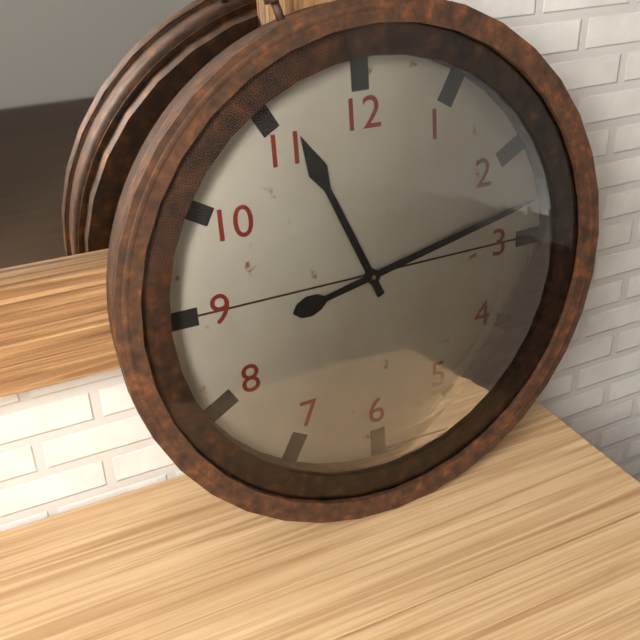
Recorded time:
{"hour": 11, "minute": 13}
